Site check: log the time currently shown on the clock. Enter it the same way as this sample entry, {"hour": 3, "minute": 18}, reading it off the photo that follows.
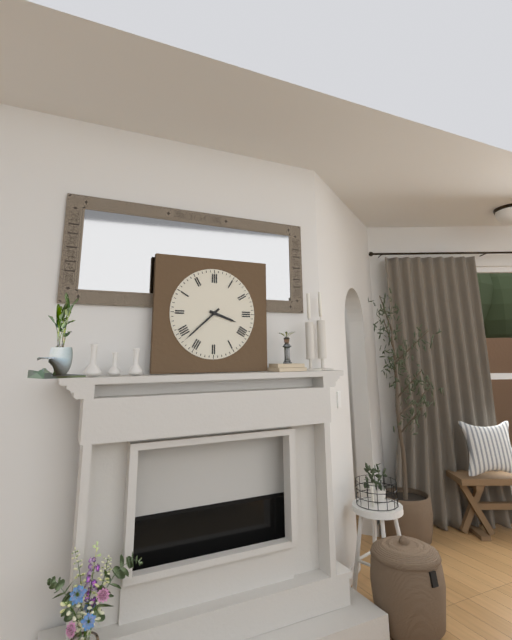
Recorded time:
{"hour": 3, "minute": 38}
